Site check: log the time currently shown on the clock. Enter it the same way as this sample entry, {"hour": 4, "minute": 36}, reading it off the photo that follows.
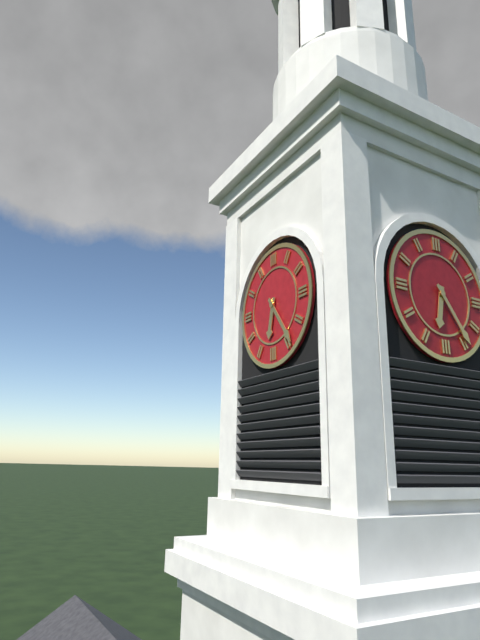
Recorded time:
{"hour": 6, "minute": 24}
